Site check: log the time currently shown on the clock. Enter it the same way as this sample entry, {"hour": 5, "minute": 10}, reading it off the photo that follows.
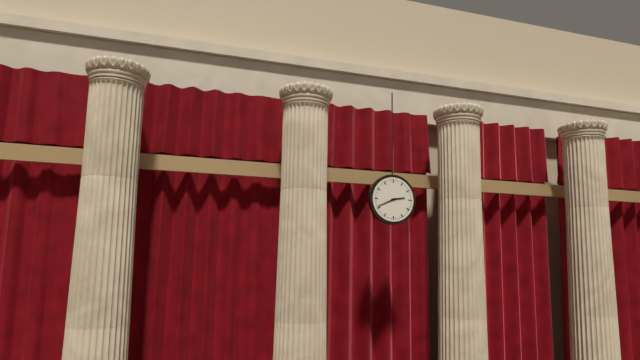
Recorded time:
{"hour": 2, "minute": 41}
